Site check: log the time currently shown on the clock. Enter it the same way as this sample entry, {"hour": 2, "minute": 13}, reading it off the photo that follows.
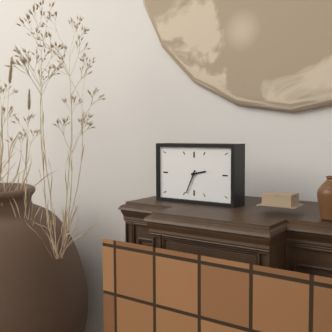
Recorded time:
{"hour": 2, "minute": 34}
